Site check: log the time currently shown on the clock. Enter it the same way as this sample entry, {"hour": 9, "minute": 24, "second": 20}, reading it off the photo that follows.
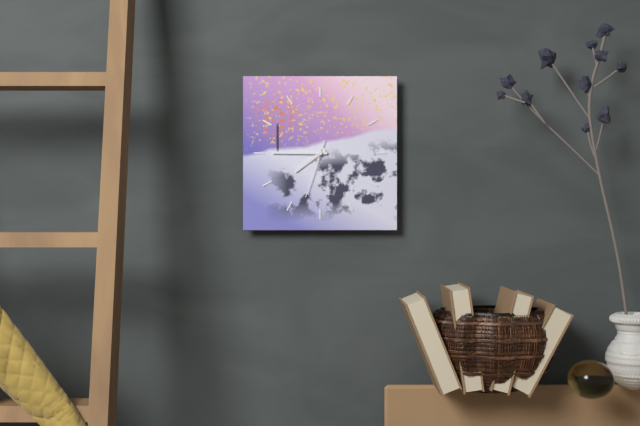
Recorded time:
{"hour": 7, "minute": 45, "second": 33}
